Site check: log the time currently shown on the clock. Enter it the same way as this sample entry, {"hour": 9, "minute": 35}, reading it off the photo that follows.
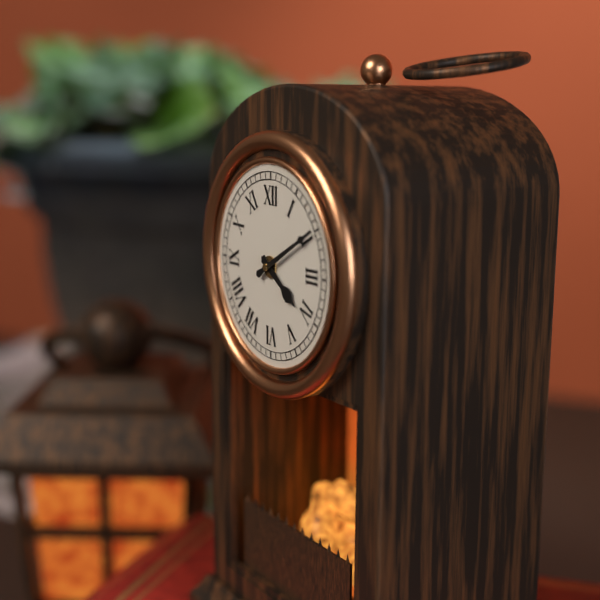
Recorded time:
{"hour": 4, "minute": 10}
